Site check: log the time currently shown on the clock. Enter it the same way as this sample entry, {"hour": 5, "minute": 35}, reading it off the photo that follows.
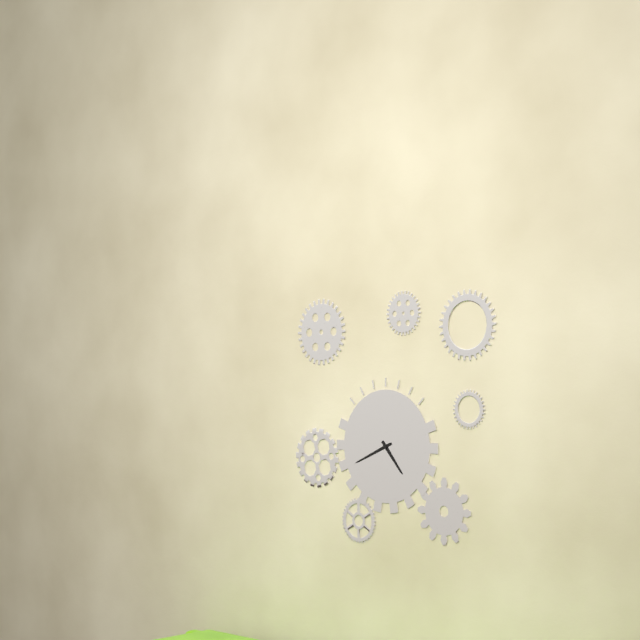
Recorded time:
{"hour": 4, "minute": 41}
